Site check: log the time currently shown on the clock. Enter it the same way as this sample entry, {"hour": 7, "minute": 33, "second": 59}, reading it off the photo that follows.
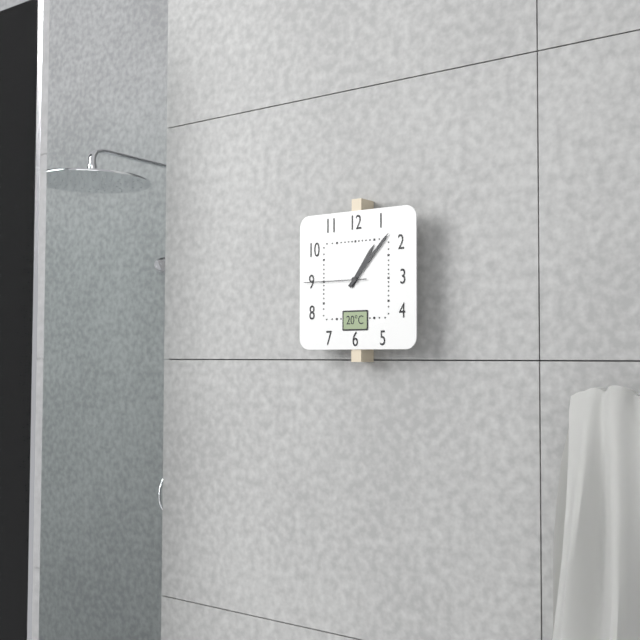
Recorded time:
{"hour": 1, "minute": 7, "second": 45}
